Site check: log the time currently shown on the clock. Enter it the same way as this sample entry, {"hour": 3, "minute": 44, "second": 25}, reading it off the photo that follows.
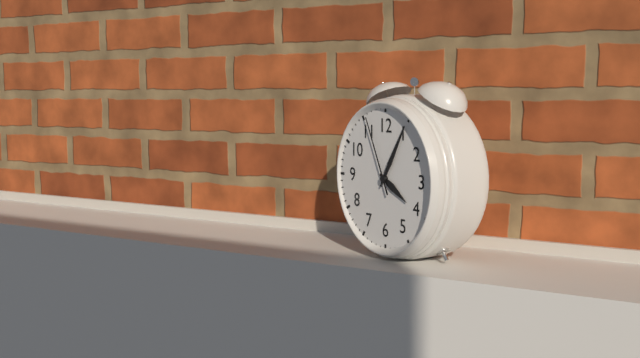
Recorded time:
{"hour": 4, "minute": 5, "second": 56}
